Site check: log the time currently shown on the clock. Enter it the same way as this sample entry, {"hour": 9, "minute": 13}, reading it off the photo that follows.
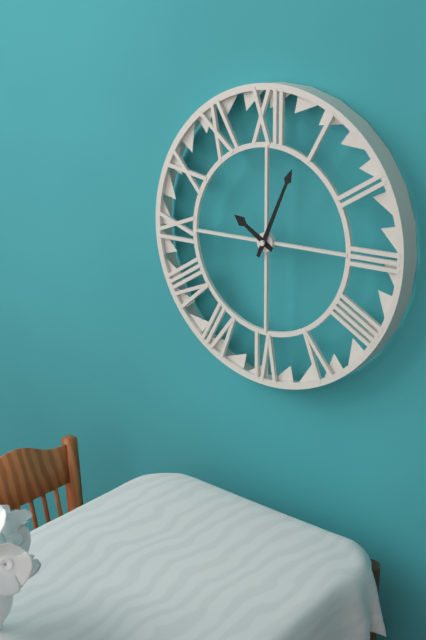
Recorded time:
{"hour": 10, "minute": 4}
